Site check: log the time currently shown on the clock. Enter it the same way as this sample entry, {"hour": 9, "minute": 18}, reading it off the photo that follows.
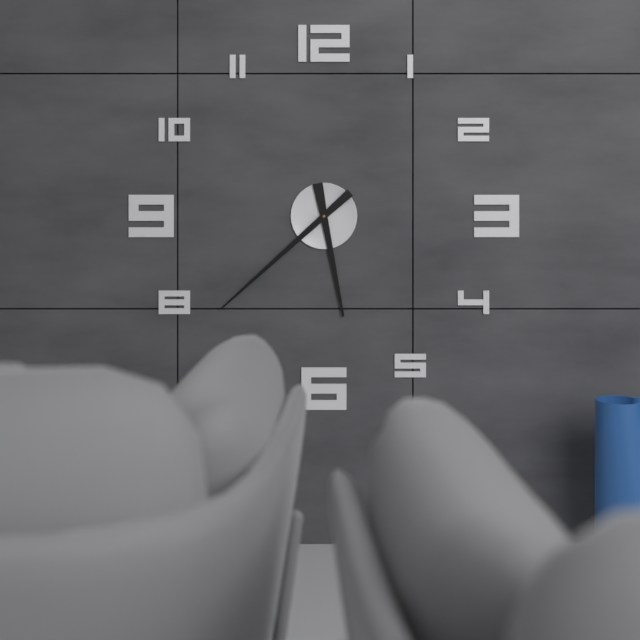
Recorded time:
{"hour": 5, "minute": 38}
